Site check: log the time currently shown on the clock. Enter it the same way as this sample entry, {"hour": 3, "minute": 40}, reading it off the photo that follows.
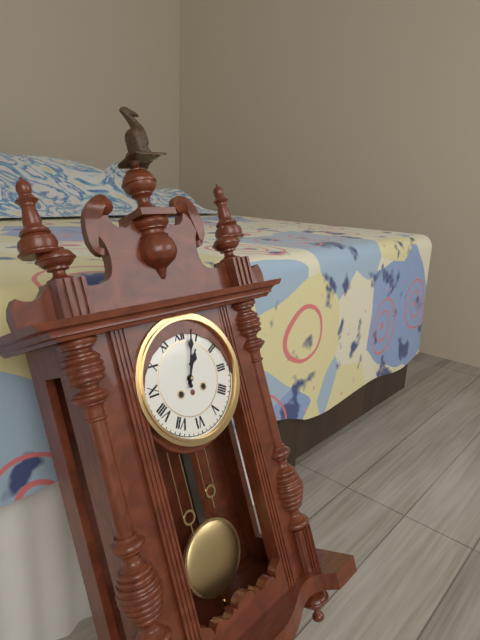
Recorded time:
{"hour": 1, "minute": 3}
